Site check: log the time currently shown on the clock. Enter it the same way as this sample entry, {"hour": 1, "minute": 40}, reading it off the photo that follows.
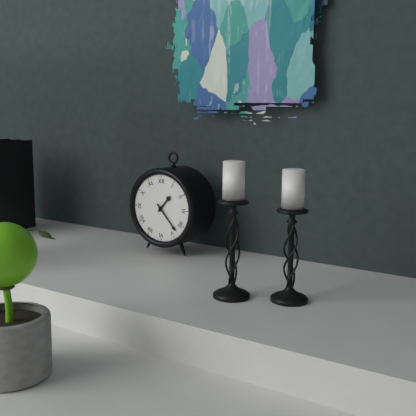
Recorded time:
{"hour": 1, "minute": 23}
